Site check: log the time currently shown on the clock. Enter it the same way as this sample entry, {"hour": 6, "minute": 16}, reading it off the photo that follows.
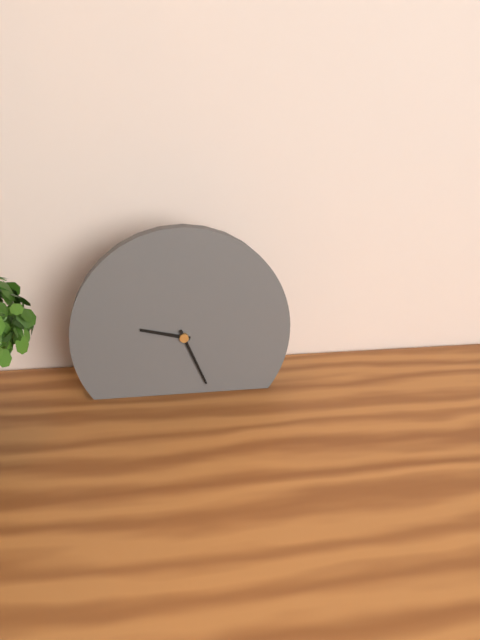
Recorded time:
{"hour": 9, "minute": 26}
